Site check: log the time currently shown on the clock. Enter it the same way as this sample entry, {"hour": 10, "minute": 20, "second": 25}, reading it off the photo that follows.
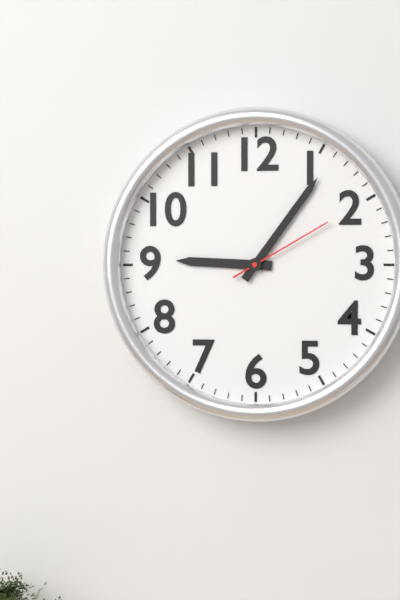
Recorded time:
{"hour": 9, "minute": 6, "second": 10}
